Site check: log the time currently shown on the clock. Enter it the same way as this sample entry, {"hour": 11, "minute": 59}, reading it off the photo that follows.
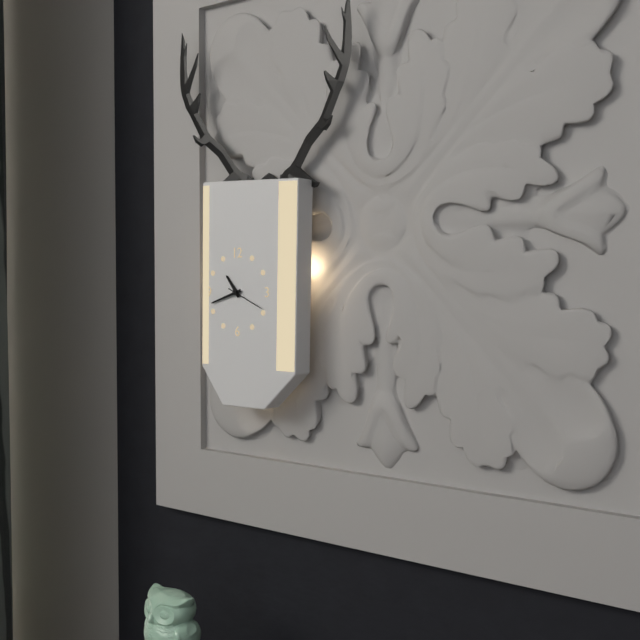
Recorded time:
{"hour": 10, "minute": 42}
